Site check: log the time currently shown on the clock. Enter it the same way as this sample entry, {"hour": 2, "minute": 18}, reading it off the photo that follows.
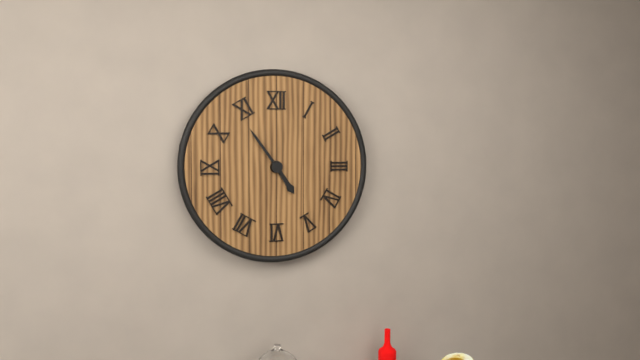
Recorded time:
{"hour": 4, "minute": 54}
